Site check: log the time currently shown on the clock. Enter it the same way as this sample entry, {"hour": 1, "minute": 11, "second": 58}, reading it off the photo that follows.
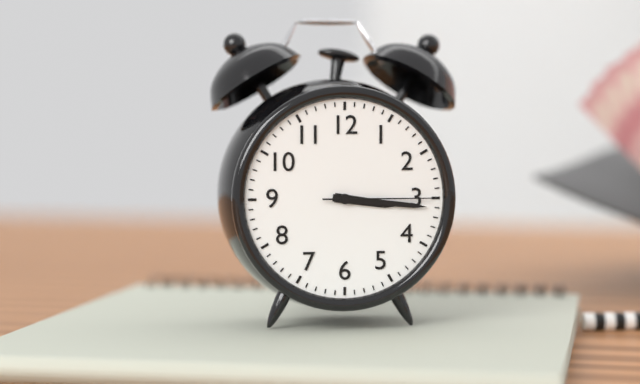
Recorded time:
{"hour": 3, "minute": 16, "second": 15}
